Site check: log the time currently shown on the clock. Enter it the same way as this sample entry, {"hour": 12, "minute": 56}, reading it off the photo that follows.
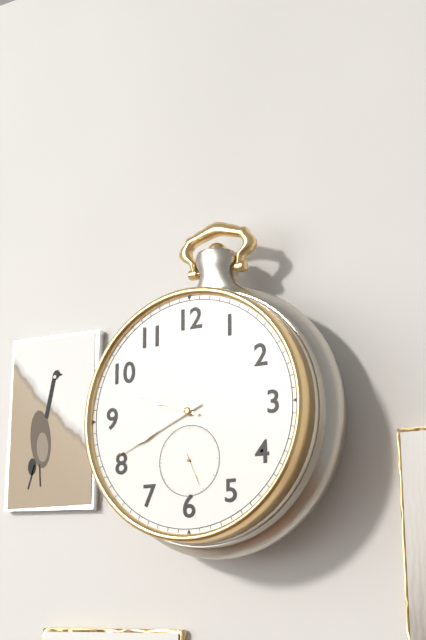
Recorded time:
{"hour": 9, "minute": 41}
